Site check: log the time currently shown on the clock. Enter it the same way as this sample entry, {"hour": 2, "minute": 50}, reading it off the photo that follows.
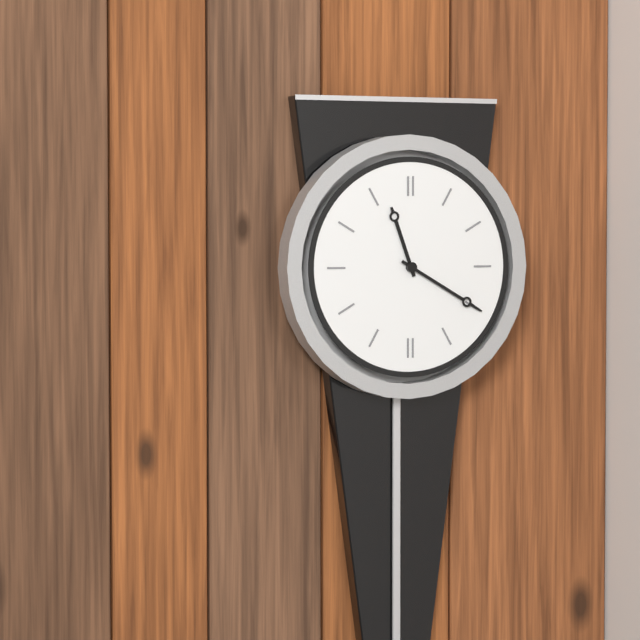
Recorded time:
{"hour": 11, "minute": 20}
